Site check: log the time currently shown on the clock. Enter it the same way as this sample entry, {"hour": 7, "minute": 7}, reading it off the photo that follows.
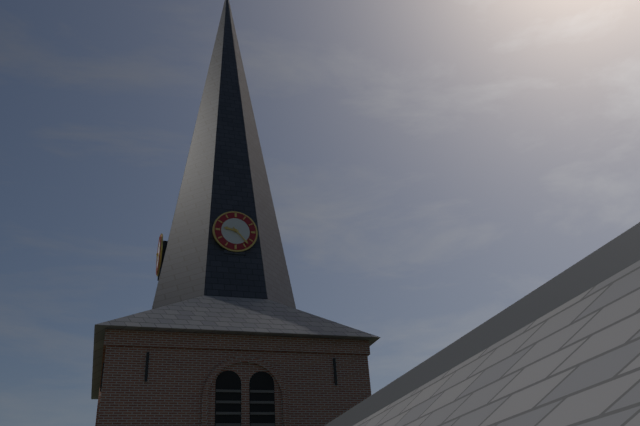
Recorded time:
{"hour": 9, "minute": 23}
